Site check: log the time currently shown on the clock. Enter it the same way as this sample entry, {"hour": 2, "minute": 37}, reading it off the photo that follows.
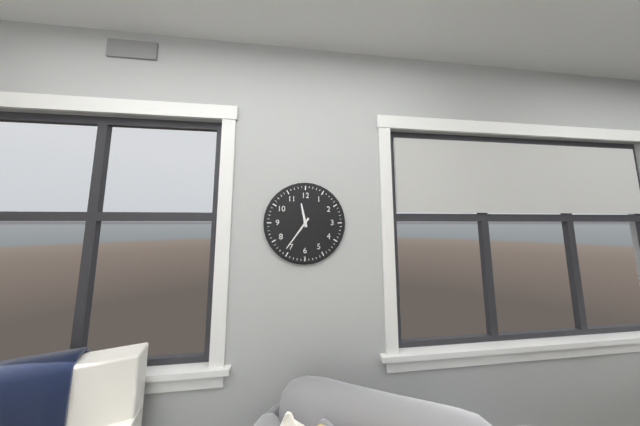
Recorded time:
{"hour": 11, "minute": 36}
